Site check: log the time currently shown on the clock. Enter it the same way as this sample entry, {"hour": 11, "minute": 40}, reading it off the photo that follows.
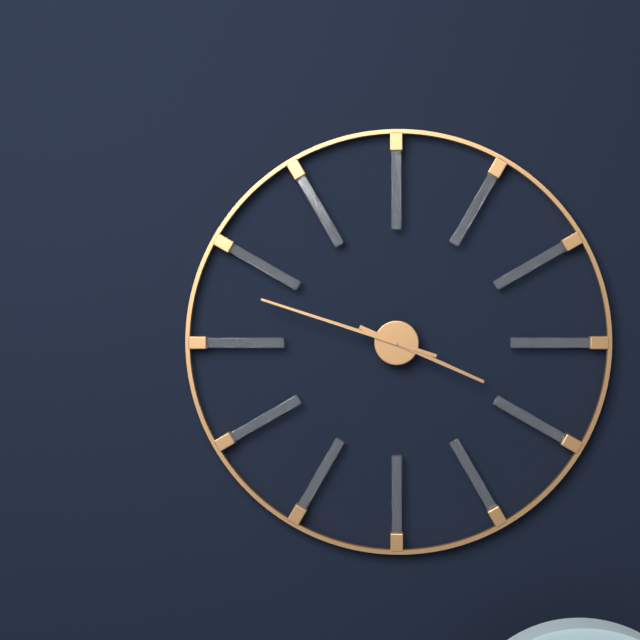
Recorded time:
{"hour": 3, "minute": 48}
